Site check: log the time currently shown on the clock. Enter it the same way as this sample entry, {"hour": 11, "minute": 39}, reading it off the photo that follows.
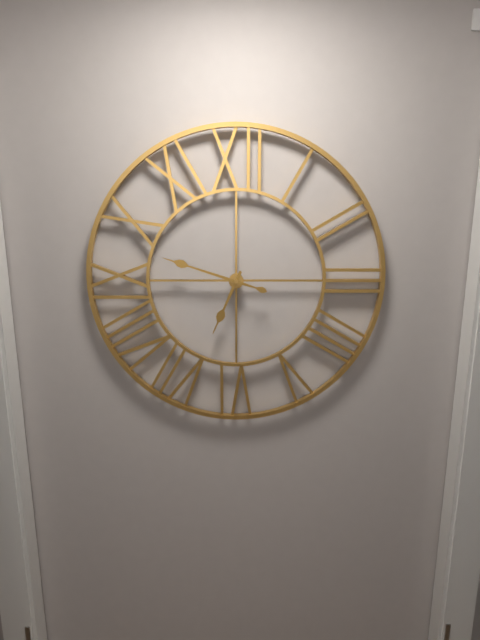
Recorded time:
{"hour": 6, "minute": 48}
